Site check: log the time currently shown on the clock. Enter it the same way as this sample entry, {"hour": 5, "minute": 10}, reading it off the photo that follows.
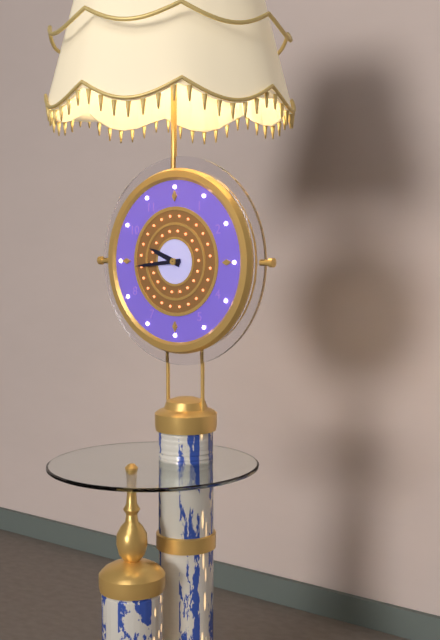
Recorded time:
{"hour": 9, "minute": 44}
